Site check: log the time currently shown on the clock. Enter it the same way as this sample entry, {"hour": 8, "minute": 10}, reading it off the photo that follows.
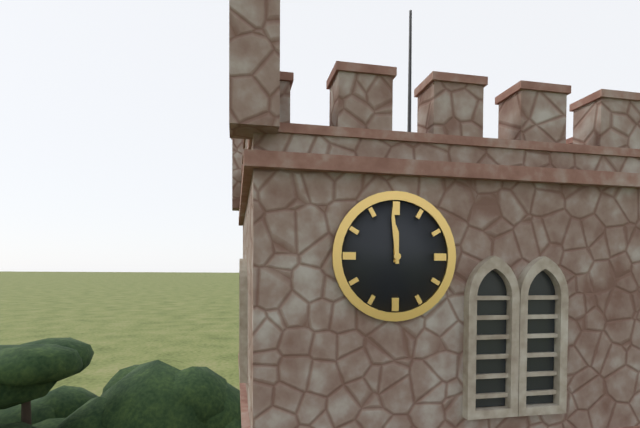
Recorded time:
{"hour": 11, "minute": 59}
